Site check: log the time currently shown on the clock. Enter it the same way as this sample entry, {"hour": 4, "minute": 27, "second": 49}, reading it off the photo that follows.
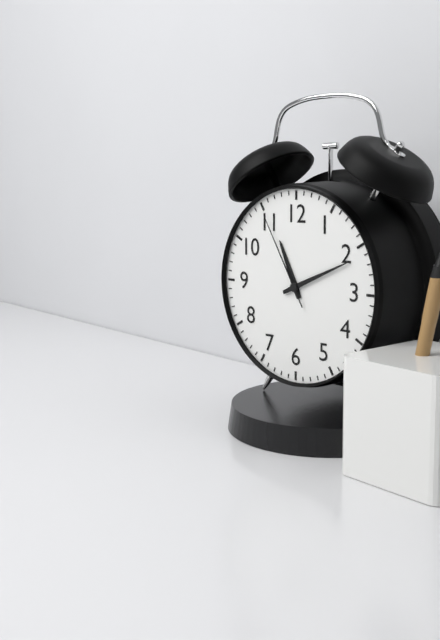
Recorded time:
{"hour": 11, "minute": 11, "second": 55}
